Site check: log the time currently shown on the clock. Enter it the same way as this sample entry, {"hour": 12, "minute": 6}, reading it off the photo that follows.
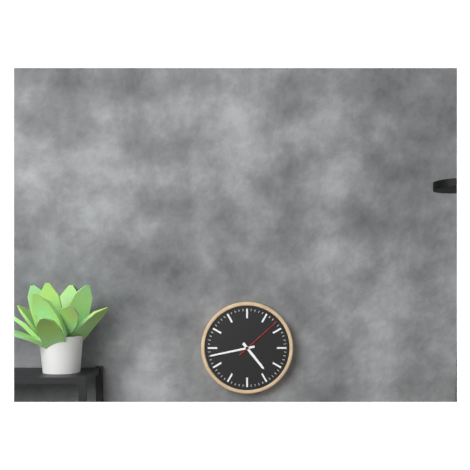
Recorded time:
{"hour": 4, "minute": 43}
